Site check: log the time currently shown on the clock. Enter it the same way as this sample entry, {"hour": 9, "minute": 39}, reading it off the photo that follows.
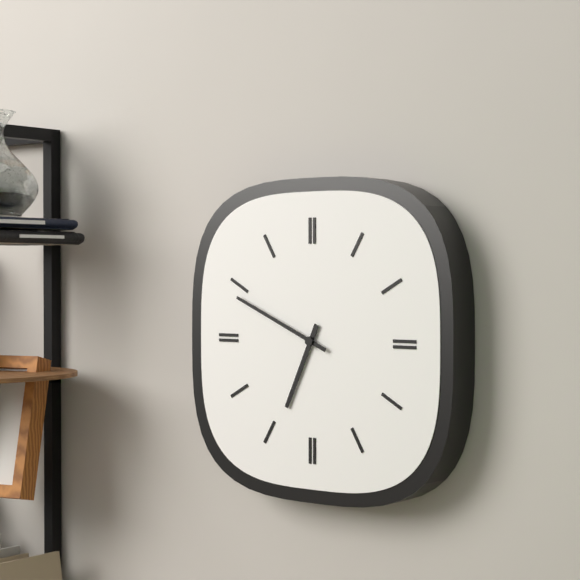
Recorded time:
{"hour": 6, "minute": 49}
